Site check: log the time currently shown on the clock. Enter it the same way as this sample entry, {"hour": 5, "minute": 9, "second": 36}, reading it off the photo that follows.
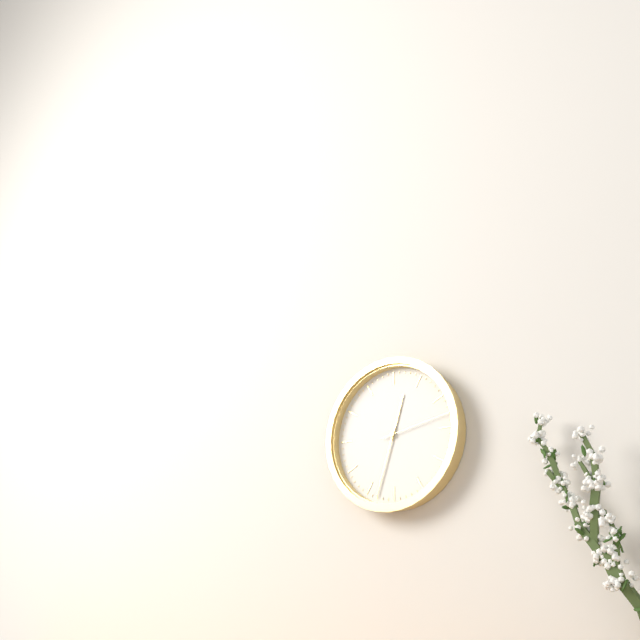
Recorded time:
{"hour": 12, "minute": 33, "second": 13}
